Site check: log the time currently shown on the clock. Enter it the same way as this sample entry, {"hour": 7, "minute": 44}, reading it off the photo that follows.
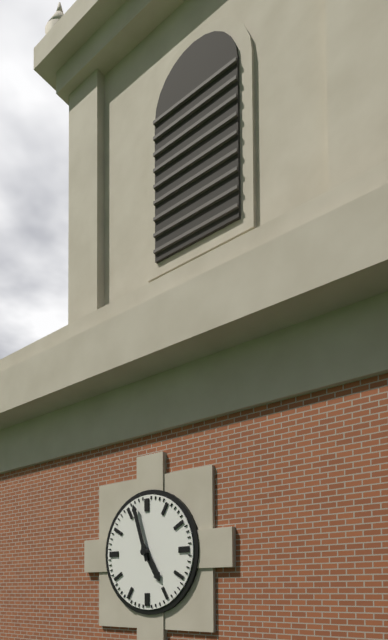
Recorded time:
{"hour": 4, "minute": 57}
